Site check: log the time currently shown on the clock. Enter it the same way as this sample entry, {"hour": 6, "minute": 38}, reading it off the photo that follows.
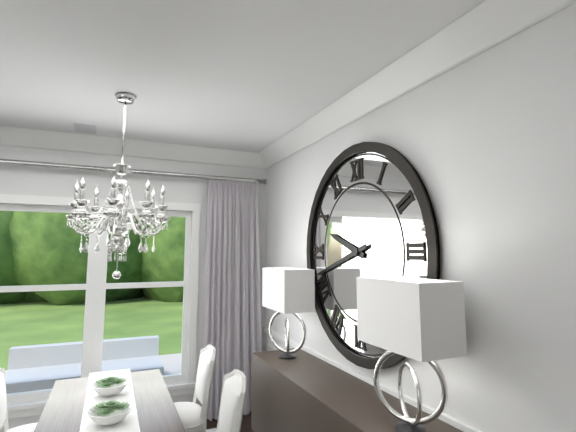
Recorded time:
{"hour": 9, "minute": 42}
